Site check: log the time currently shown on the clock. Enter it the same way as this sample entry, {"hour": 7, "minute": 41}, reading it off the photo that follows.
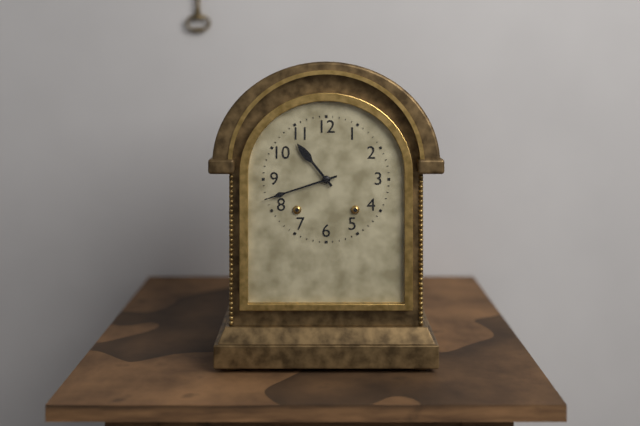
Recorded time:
{"hour": 10, "minute": 42}
